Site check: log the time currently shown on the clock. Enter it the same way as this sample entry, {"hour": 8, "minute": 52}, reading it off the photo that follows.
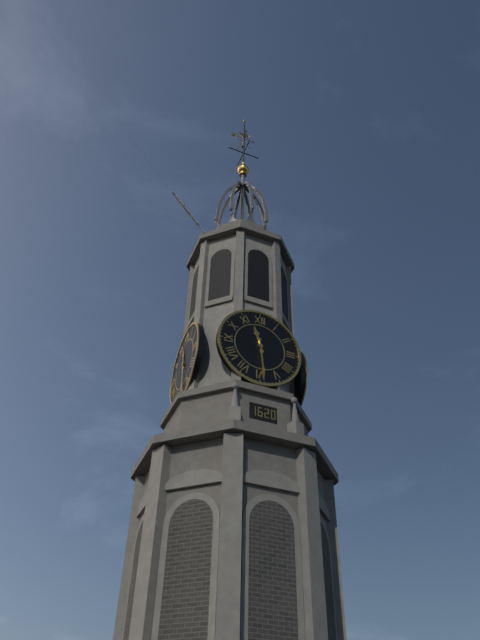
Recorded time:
{"hour": 11, "minute": 29}
